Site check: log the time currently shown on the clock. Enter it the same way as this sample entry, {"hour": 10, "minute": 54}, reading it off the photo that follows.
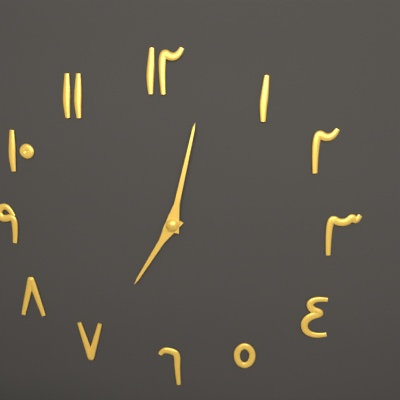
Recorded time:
{"hour": 7, "minute": 2}
